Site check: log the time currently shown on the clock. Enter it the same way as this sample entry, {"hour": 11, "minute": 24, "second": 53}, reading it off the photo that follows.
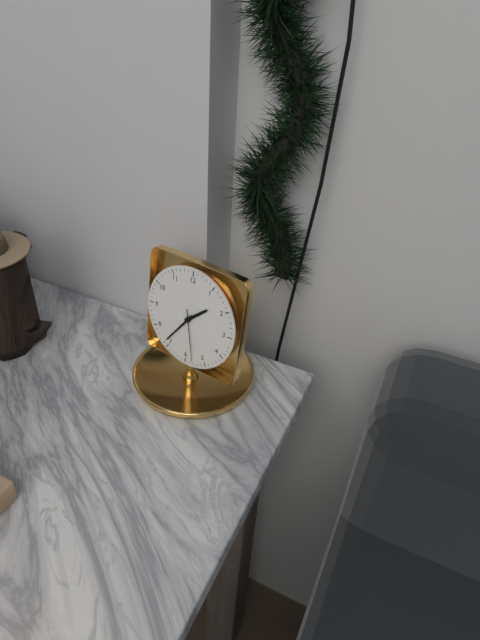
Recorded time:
{"hour": 1, "minute": 36, "second": 28}
